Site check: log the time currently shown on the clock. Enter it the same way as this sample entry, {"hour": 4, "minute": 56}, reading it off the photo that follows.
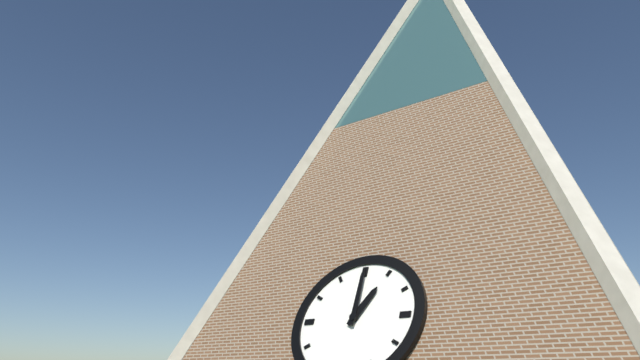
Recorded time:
{"hour": 1, "minute": 0}
